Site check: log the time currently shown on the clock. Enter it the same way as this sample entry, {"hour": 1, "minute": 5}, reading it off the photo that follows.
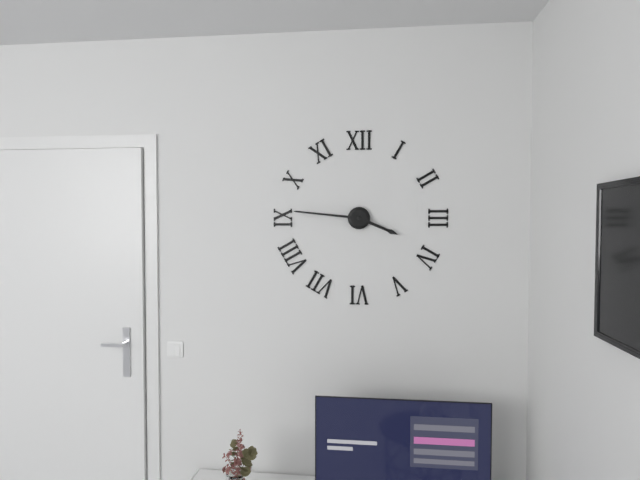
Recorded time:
{"hour": 3, "minute": 46}
